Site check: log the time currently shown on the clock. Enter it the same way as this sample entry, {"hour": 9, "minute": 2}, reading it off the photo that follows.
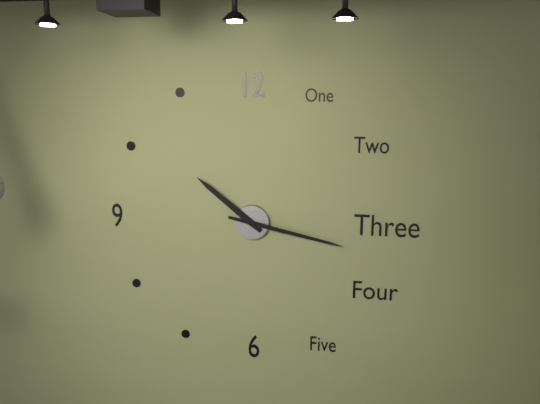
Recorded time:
{"hour": 10, "minute": 17}
